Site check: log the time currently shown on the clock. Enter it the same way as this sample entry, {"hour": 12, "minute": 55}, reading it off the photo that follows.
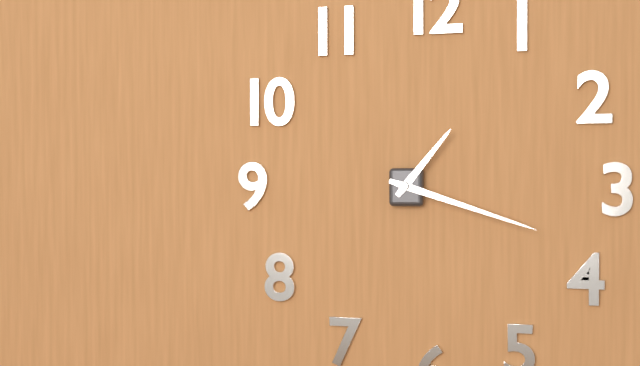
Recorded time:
{"hour": 1, "minute": 18}
